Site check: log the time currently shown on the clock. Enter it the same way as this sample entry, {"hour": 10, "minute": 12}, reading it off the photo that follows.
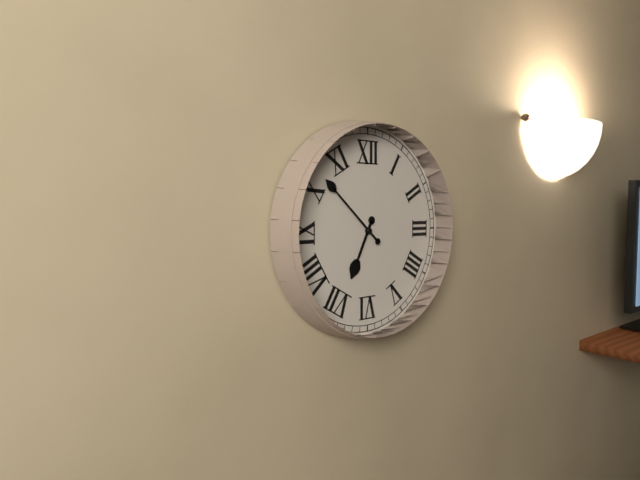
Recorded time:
{"hour": 6, "minute": 52}
